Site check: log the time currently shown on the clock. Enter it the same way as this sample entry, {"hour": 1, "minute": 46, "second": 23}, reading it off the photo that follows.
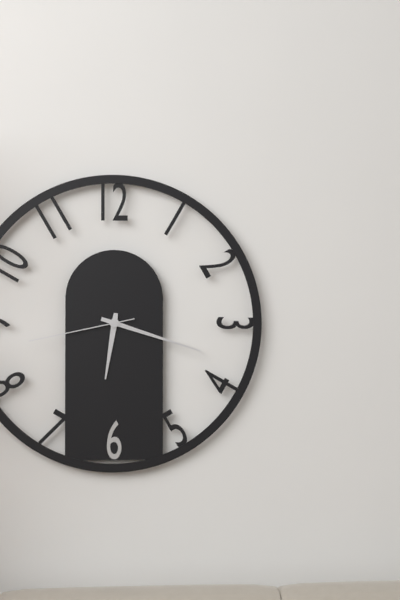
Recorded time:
{"hour": 6, "minute": 18, "second": 43}
